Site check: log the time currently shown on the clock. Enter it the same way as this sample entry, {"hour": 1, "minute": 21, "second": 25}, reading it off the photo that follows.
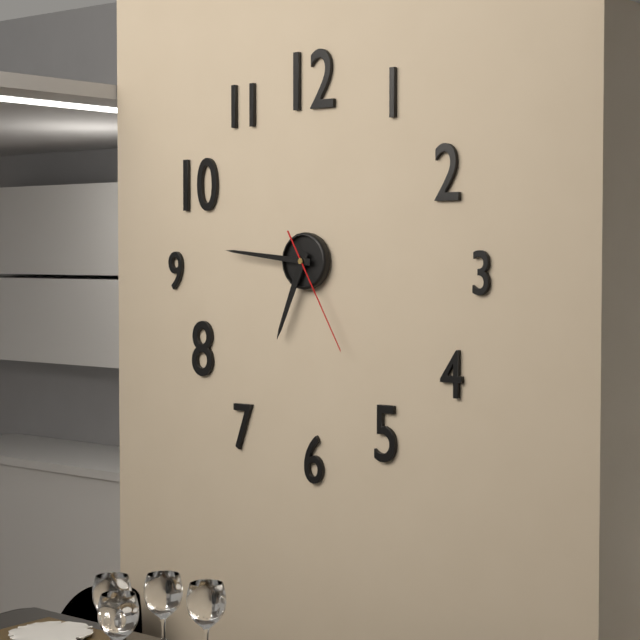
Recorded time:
{"hour": 6, "minute": 46, "second": 25}
